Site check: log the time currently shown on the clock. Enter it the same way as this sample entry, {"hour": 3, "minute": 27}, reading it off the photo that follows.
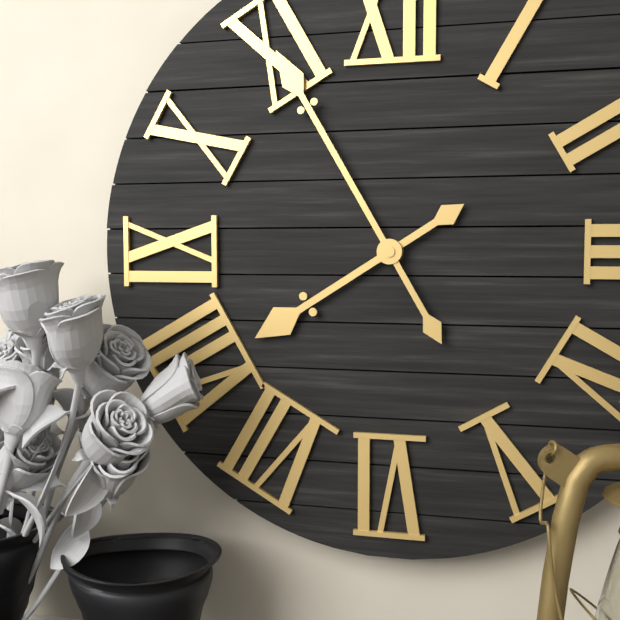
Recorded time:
{"hour": 7, "minute": 55}
